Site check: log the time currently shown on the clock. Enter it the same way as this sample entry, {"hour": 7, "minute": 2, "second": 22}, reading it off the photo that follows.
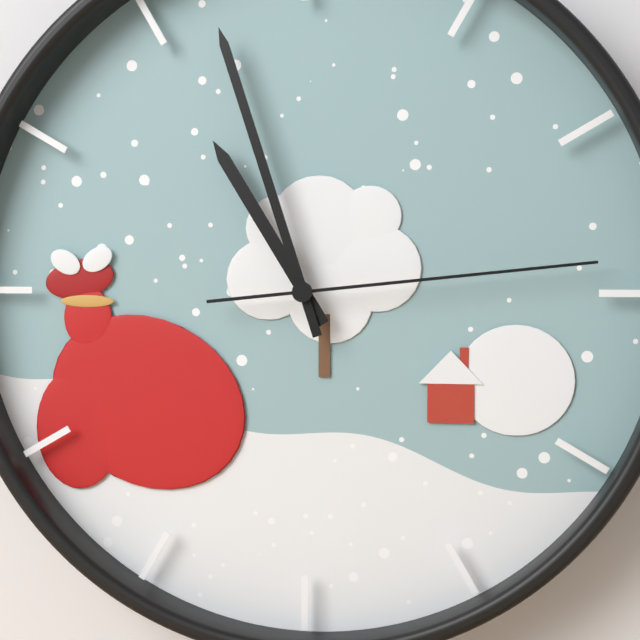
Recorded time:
{"hour": 10, "minute": 57, "second": 14}
